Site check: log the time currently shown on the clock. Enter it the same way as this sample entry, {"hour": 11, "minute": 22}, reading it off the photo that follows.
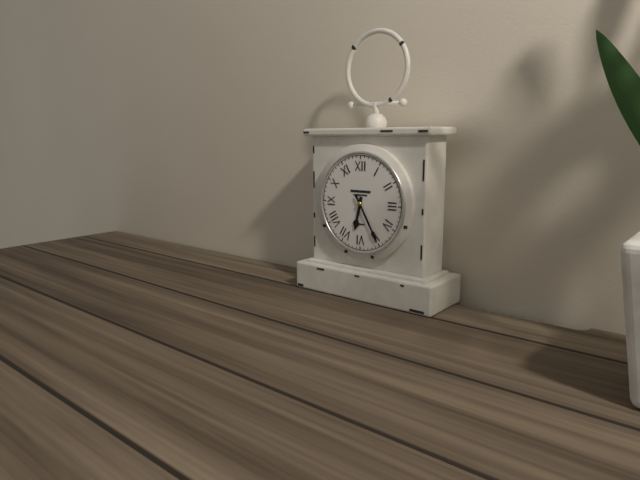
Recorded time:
{"hour": 6, "minute": 25}
